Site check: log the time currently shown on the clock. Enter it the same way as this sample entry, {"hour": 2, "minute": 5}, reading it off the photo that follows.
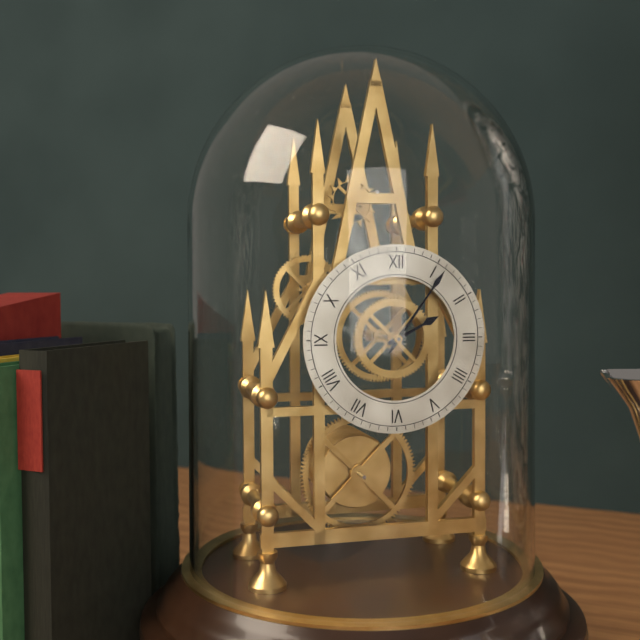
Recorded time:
{"hour": 2, "minute": 6}
